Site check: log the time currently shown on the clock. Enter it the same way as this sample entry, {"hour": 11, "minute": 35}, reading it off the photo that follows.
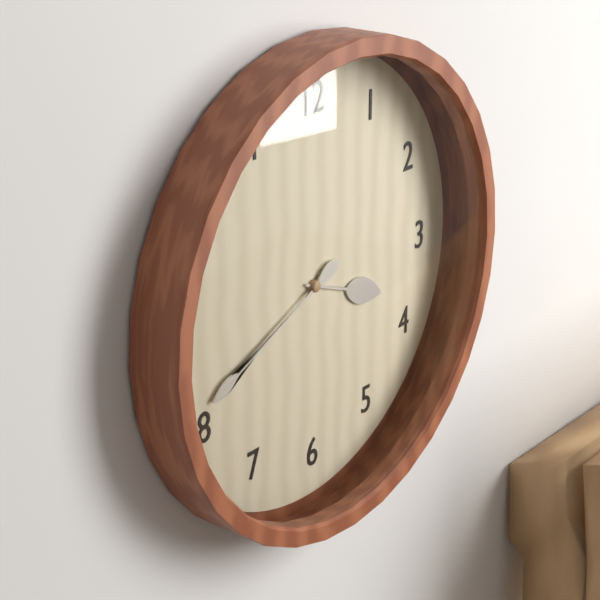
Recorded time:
{"hour": 3, "minute": 41}
